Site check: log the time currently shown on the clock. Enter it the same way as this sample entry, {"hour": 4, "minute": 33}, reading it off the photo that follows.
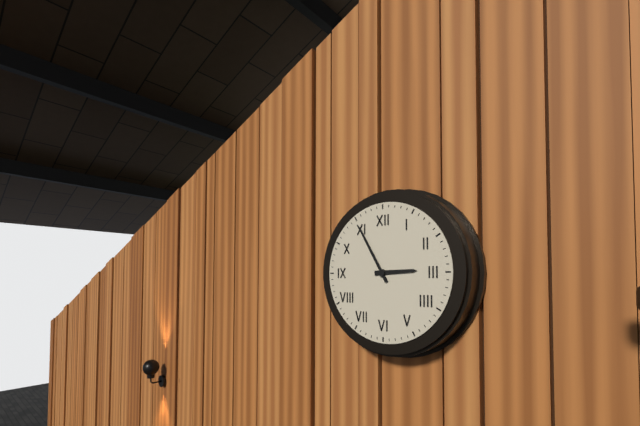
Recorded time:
{"hour": 2, "minute": 55}
